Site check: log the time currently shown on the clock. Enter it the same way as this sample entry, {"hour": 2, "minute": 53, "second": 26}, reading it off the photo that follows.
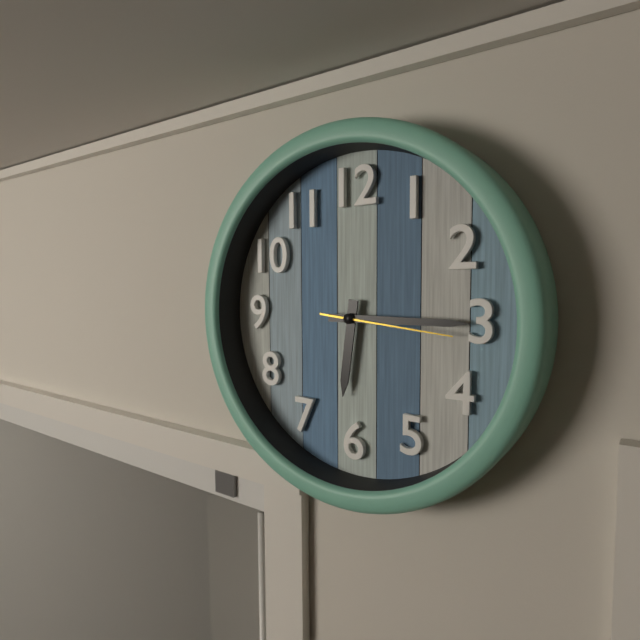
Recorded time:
{"hour": 6, "minute": 15, "second": 16}
